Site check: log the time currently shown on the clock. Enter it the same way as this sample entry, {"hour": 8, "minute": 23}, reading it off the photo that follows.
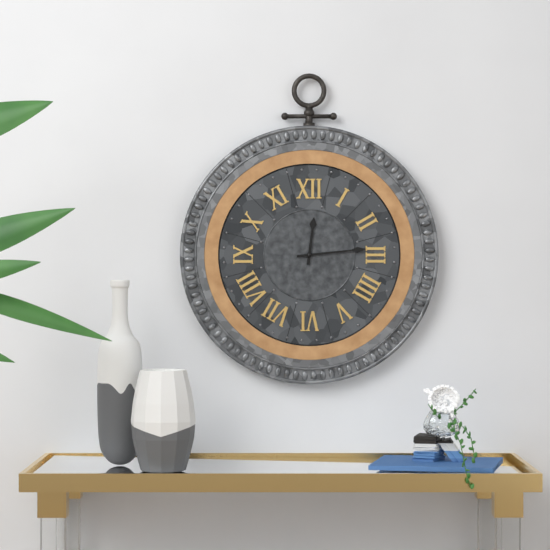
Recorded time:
{"hour": 12, "minute": 14}
